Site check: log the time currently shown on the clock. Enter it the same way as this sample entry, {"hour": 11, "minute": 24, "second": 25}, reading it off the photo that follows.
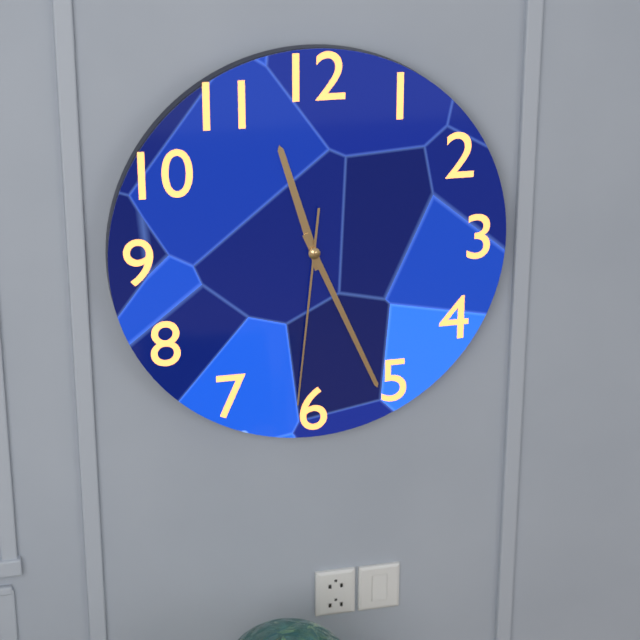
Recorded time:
{"hour": 11, "minute": 26, "second": 31}
